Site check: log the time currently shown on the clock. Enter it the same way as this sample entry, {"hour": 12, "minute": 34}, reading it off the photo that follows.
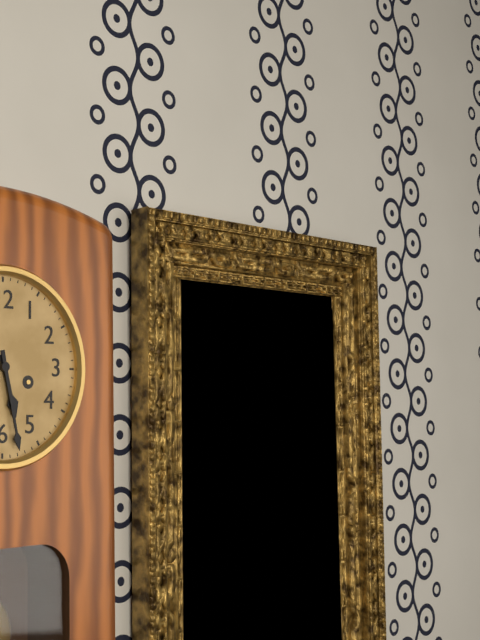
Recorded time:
{"hour": 5, "minute": 28}
